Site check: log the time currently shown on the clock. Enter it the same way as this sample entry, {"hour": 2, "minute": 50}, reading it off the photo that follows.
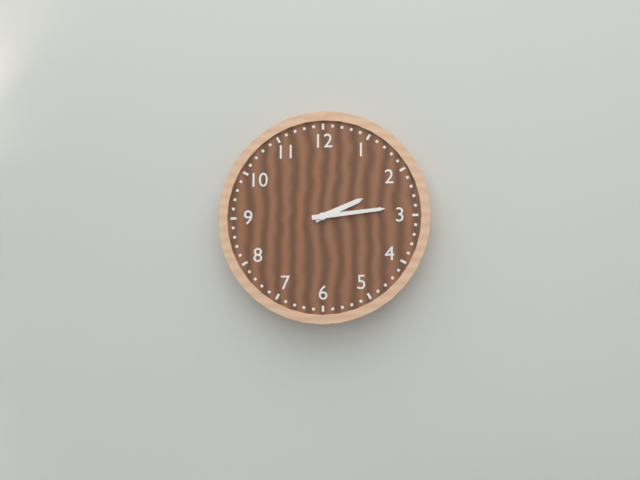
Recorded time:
{"hour": 2, "minute": 14}
